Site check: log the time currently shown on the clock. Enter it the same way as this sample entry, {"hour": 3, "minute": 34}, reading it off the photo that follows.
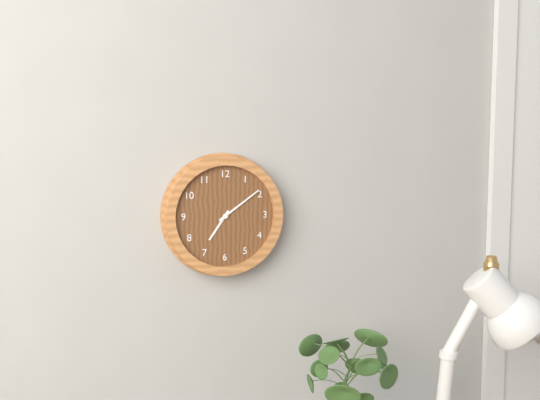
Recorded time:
{"hour": 7, "minute": 9}
